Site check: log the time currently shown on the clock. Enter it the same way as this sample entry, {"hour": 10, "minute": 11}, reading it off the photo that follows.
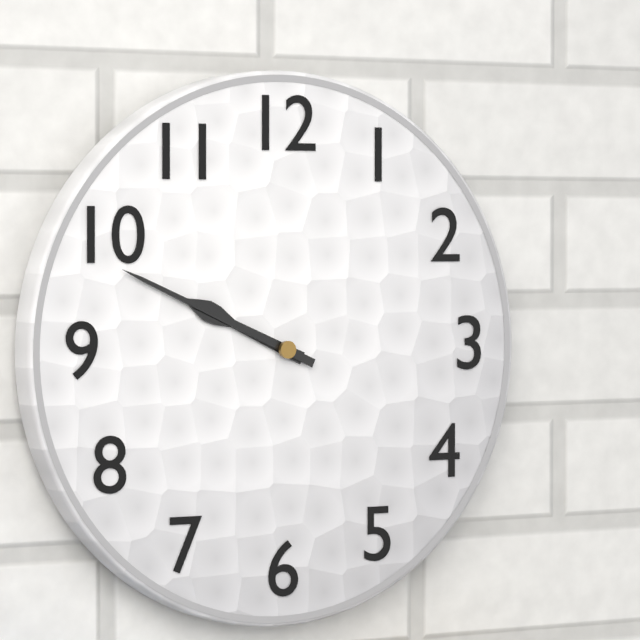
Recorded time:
{"hour": 9, "minute": 49}
